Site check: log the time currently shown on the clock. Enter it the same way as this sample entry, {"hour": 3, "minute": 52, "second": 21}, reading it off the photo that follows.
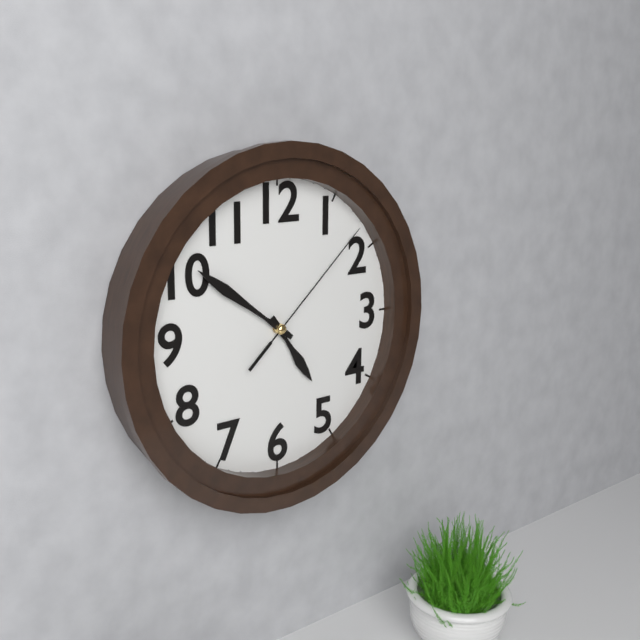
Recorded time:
{"hour": 4, "minute": 51, "second": 8}
